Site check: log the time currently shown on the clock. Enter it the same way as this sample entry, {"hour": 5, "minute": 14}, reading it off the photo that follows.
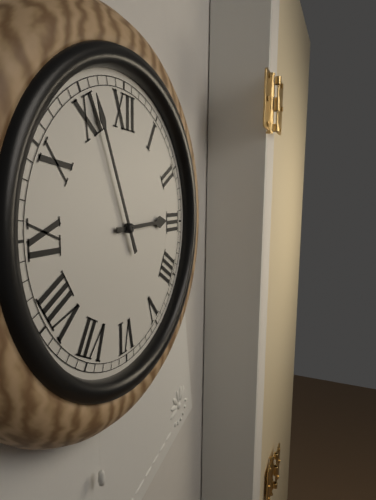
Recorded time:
{"hour": 2, "minute": 56}
